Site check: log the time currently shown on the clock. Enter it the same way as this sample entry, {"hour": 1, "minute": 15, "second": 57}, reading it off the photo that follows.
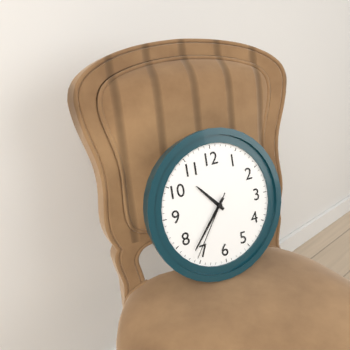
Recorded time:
{"hour": 10, "minute": 37, "second": 36}
